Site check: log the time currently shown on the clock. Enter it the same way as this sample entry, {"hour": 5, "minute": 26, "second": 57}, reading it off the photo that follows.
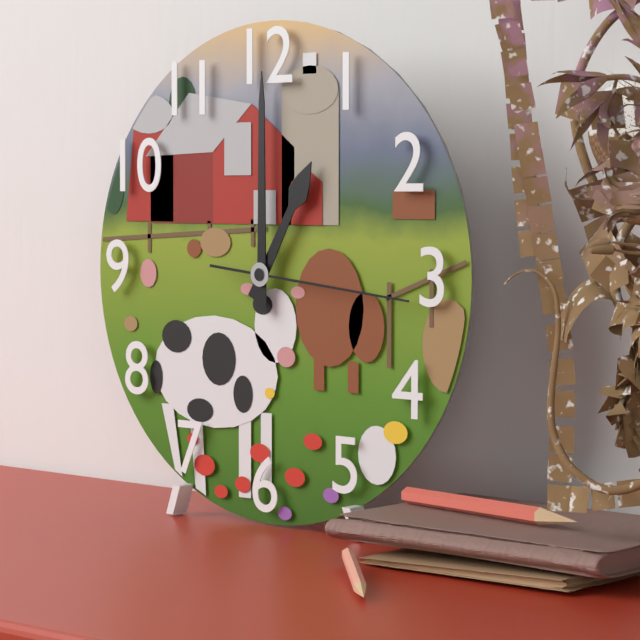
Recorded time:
{"hour": 1, "minute": 0, "second": 16}
